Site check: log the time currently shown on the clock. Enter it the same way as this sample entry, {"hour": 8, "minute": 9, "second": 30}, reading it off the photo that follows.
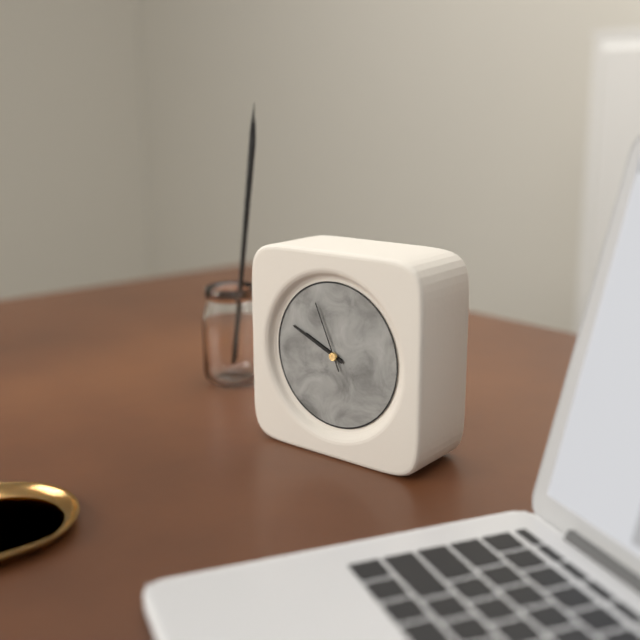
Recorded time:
{"hour": 9, "minute": 49, "second": 56}
